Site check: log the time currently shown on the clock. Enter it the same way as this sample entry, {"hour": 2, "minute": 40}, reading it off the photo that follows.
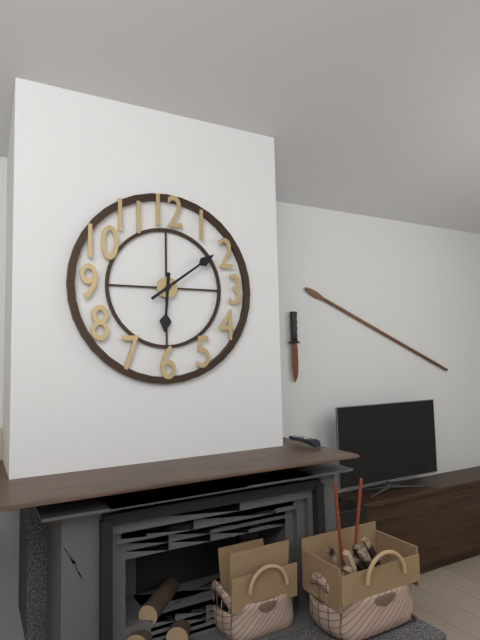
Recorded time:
{"hour": 6, "minute": 9}
